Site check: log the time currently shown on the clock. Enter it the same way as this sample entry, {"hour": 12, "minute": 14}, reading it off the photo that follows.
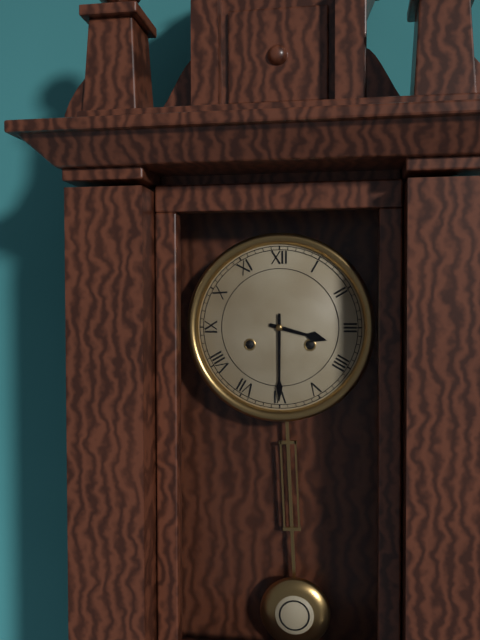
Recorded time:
{"hour": 3, "minute": 30}
